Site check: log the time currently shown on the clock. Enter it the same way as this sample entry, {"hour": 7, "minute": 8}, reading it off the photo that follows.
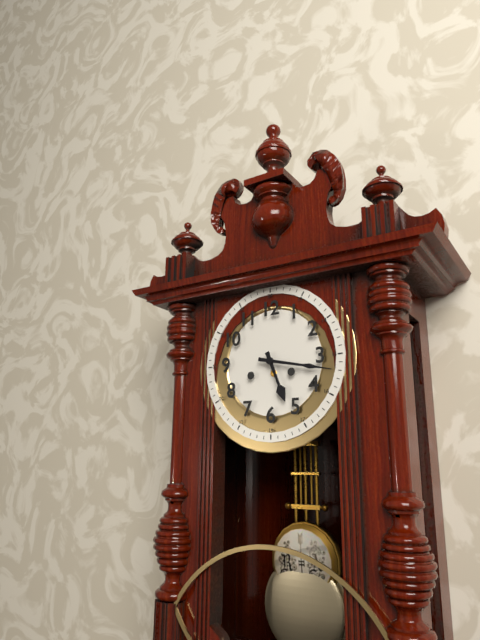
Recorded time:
{"hour": 5, "minute": 17}
